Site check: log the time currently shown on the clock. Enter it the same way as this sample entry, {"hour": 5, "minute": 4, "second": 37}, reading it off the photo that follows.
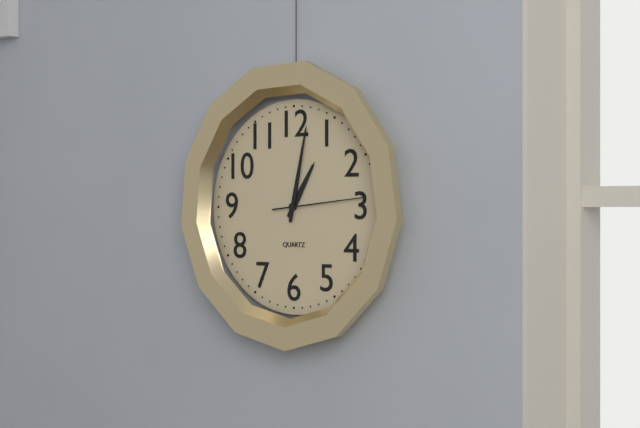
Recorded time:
{"hour": 1, "minute": 2, "second": 14}
